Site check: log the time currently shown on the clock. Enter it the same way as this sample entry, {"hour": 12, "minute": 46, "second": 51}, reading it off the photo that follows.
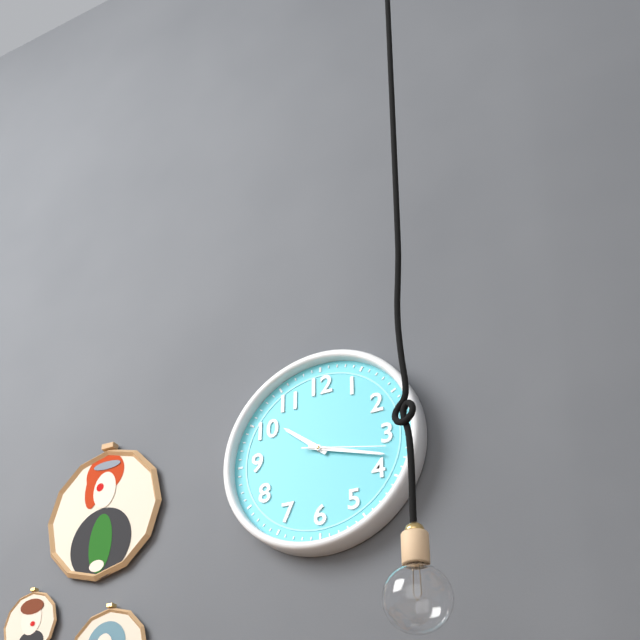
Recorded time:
{"hour": 10, "minute": 18, "second": 17}
